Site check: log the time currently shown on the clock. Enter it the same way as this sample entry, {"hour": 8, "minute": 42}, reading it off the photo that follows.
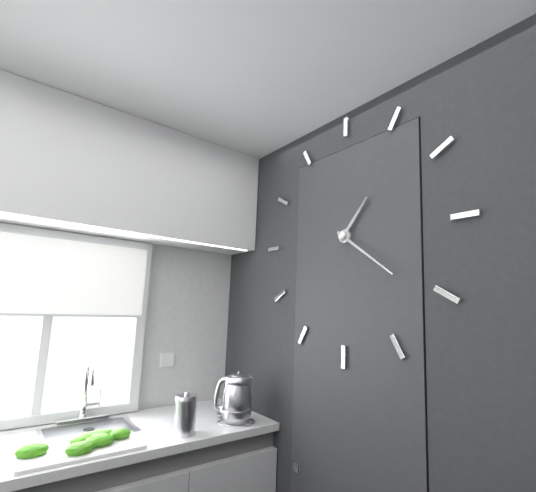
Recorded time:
{"hour": 1, "minute": 21}
